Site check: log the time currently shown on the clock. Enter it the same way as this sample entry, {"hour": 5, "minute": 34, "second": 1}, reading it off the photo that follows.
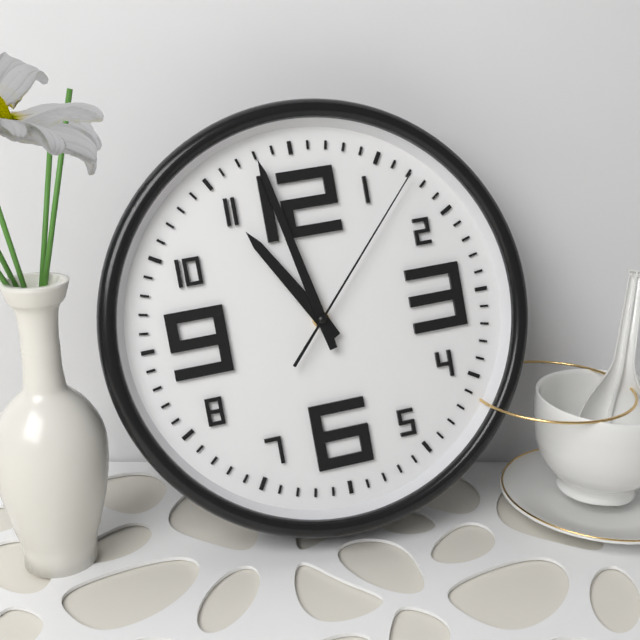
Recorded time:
{"hour": 10, "minute": 58, "second": 7}
